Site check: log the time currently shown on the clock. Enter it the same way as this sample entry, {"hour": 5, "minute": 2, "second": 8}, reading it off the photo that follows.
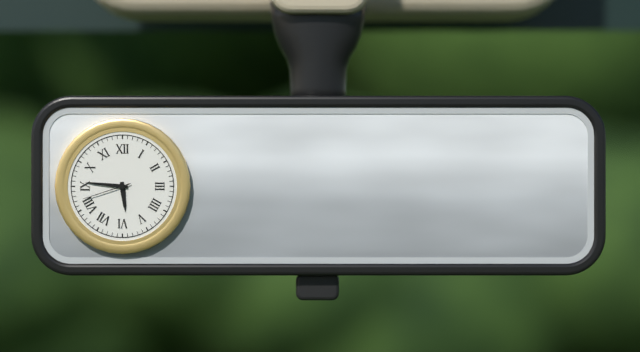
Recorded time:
{"hour": 5, "minute": 46, "second": 42}
